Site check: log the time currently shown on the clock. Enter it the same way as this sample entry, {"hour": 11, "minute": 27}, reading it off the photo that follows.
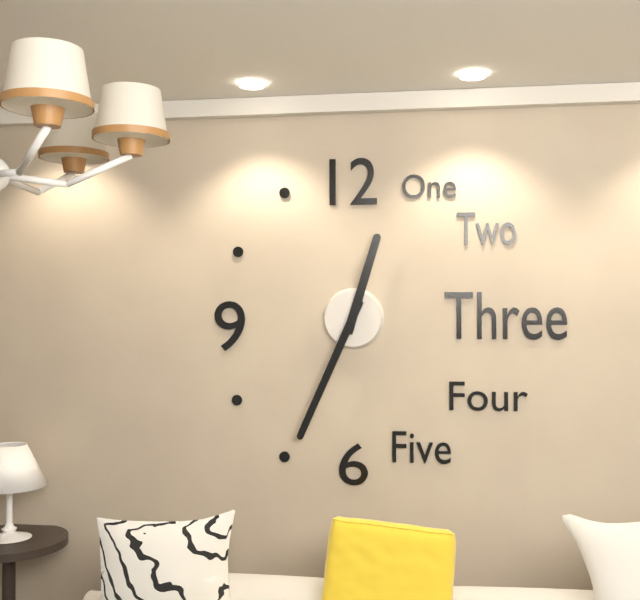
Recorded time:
{"hour": 12, "minute": 34}
